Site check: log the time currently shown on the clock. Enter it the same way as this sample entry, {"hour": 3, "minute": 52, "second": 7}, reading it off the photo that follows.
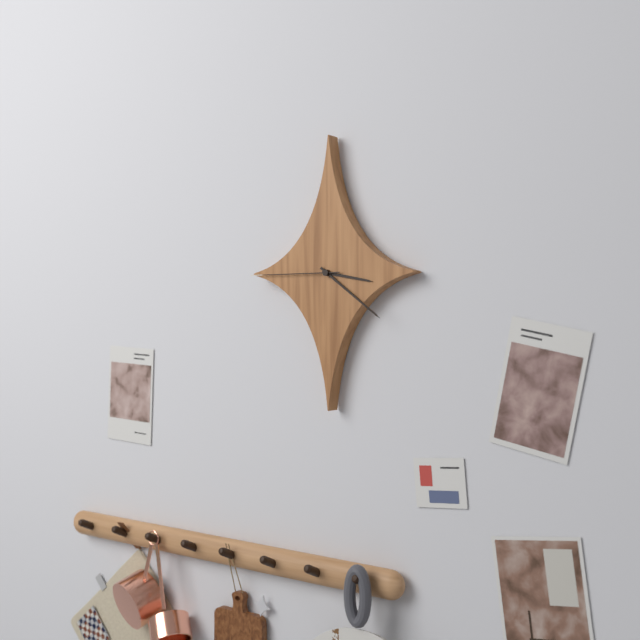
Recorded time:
{"hour": 3, "minute": 21, "second": 45}
